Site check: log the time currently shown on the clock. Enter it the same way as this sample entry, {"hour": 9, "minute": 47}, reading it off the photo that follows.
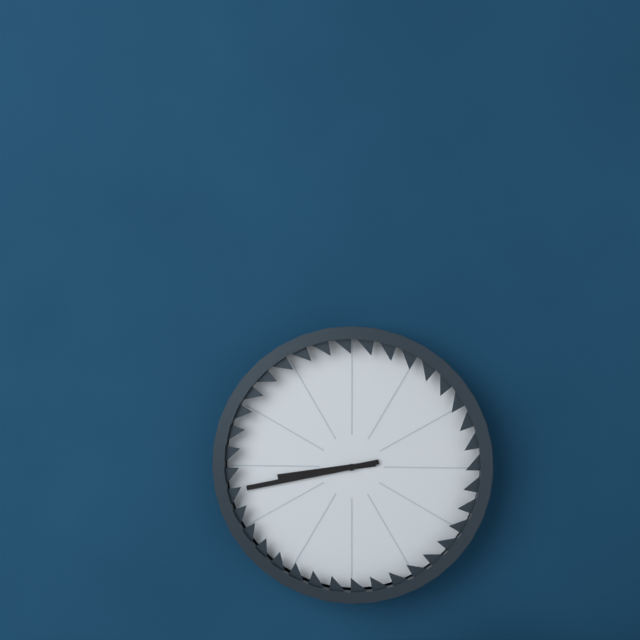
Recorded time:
{"hour": 8, "minute": 43}
